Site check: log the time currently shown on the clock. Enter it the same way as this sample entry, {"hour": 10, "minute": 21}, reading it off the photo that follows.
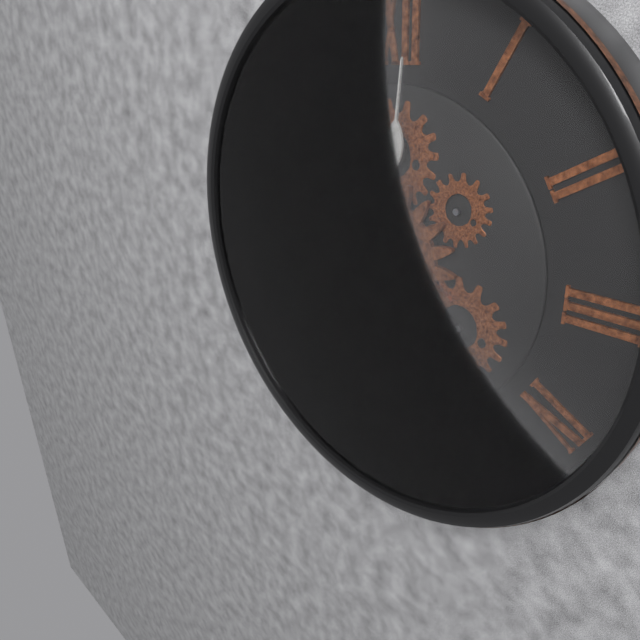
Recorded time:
{"hour": 5, "minute": 1}
